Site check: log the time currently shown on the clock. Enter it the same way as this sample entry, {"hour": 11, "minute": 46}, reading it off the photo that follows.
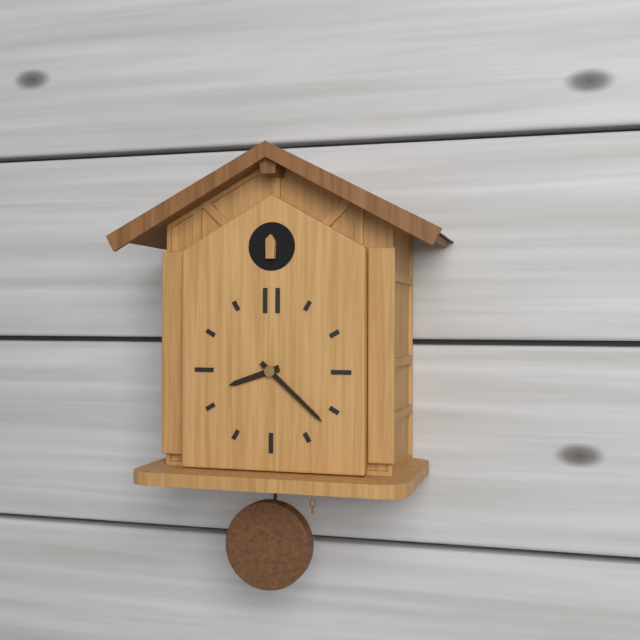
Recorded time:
{"hour": 8, "minute": 22}
